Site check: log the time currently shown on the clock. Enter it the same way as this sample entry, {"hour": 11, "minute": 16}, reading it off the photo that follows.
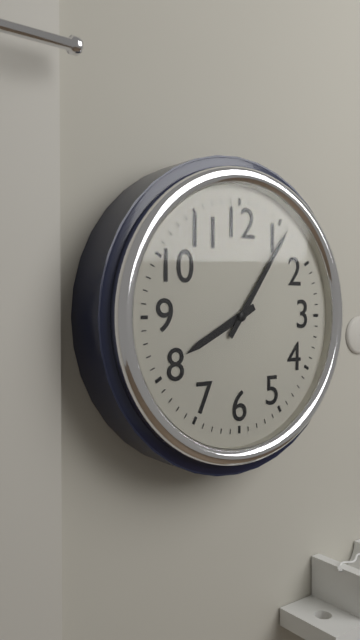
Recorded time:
{"hour": 8, "minute": 6}
